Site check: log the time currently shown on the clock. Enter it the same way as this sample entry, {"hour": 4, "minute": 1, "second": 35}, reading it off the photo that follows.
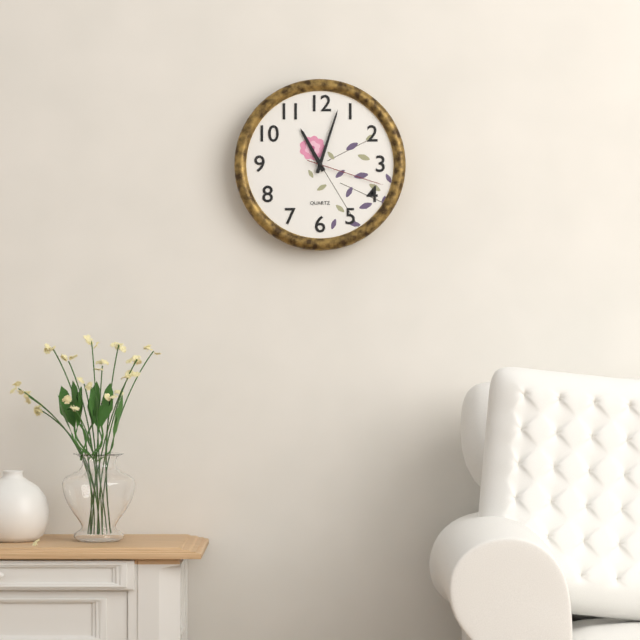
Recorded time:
{"hour": 11, "minute": 3, "second": 18}
